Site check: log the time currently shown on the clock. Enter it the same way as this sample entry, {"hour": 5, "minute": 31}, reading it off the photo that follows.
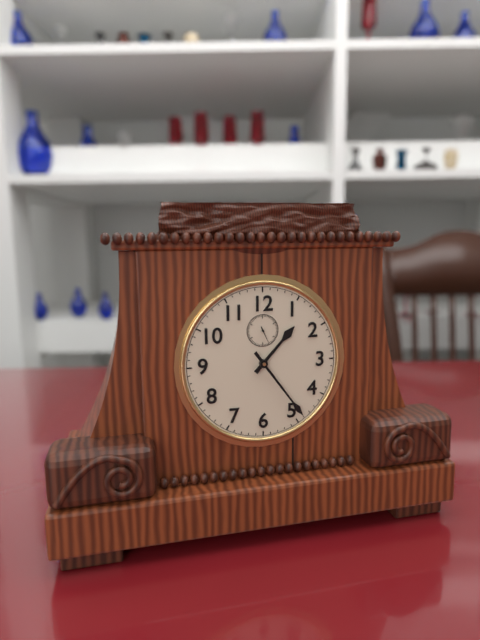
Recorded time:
{"hour": 1, "minute": 24}
